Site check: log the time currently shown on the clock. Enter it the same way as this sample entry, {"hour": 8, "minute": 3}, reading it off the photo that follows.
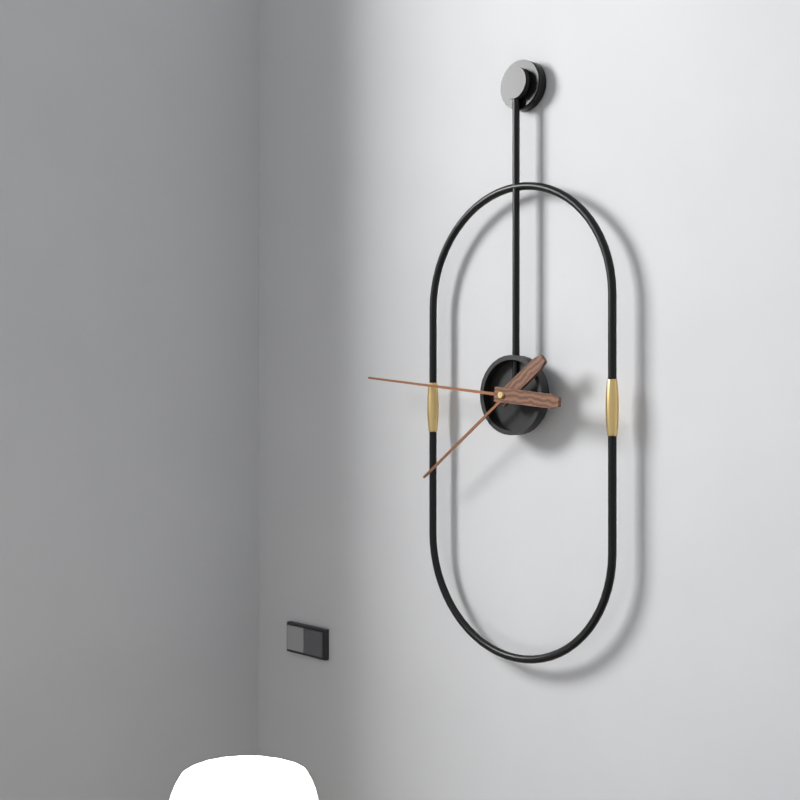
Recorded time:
{"hour": 7, "minute": 46}
